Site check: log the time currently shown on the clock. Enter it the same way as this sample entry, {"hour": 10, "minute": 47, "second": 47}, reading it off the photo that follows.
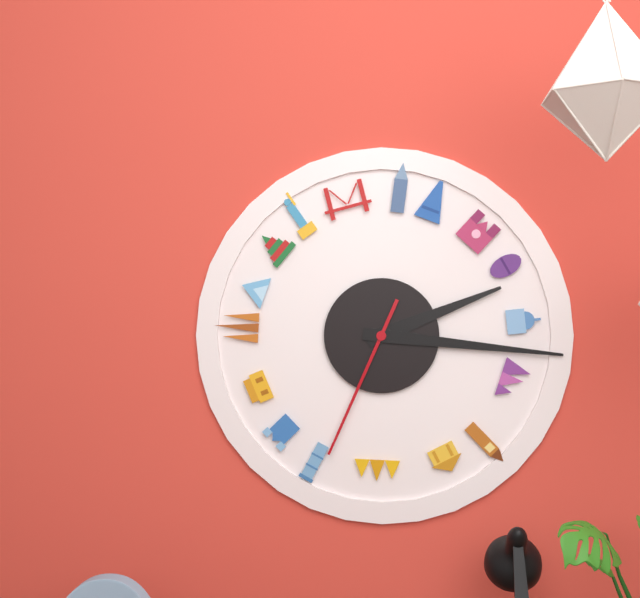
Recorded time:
{"hour": 2, "minute": 16, "second": 34}
